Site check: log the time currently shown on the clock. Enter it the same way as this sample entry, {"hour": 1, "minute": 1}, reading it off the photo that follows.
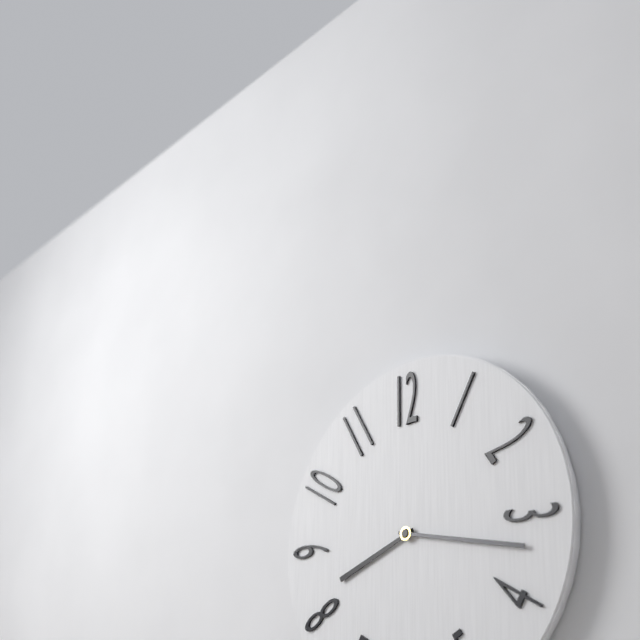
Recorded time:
{"hour": 8, "minute": 17}
